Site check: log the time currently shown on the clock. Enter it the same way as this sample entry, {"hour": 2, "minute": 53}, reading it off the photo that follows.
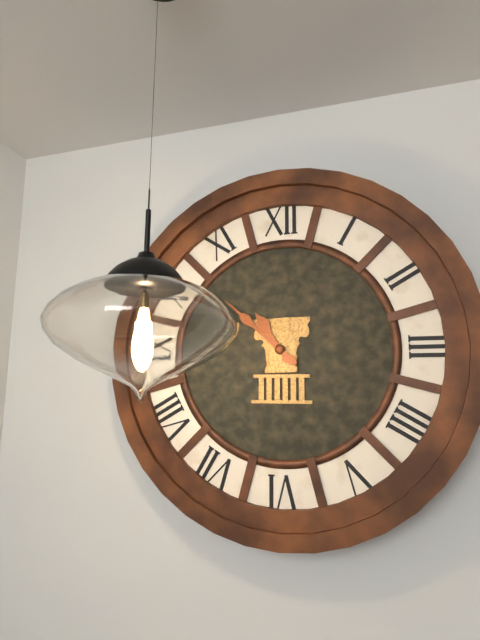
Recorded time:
{"hour": 10, "minute": 52}
